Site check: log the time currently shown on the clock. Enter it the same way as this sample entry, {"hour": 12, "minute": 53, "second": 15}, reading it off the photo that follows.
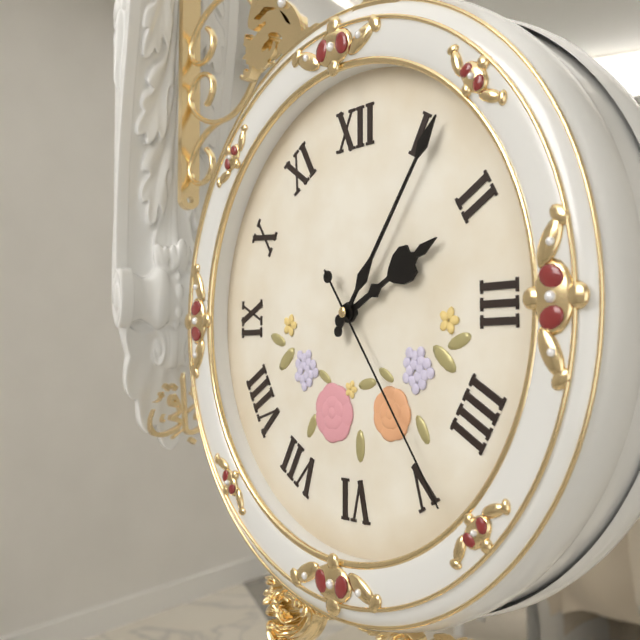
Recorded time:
{"hour": 2, "minute": 6, "second": 24}
